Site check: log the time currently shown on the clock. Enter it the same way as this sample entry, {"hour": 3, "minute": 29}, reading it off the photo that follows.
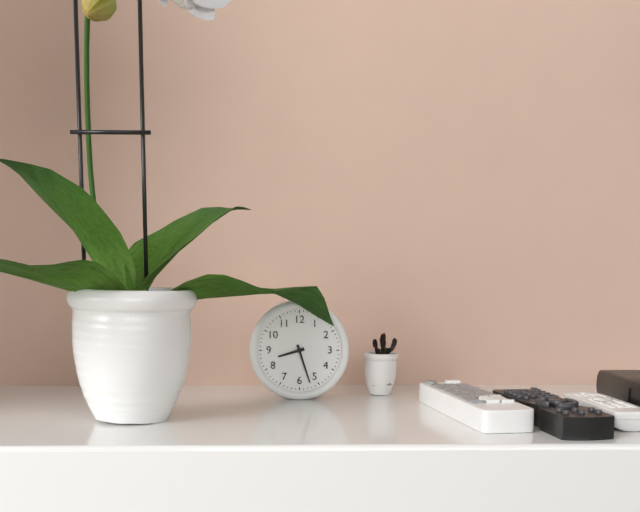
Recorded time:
{"hour": 8, "minute": 27}
